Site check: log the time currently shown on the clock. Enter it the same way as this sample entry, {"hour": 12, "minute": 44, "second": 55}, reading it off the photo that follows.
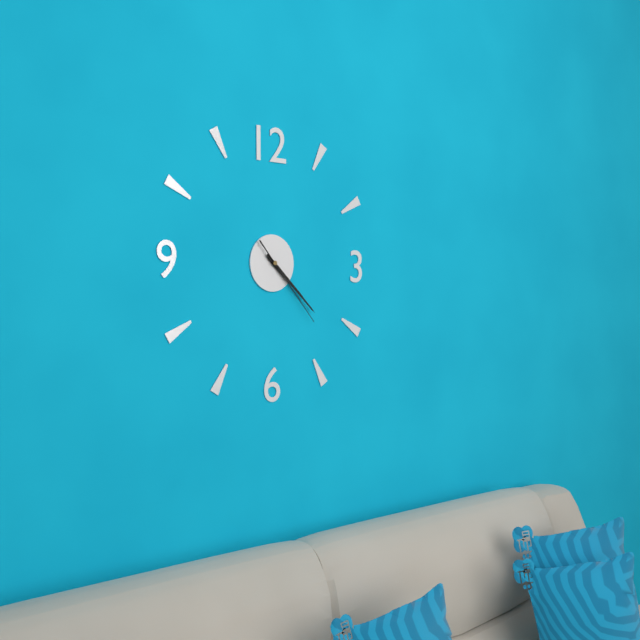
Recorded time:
{"hour": 4, "minute": 22, "second": 23}
